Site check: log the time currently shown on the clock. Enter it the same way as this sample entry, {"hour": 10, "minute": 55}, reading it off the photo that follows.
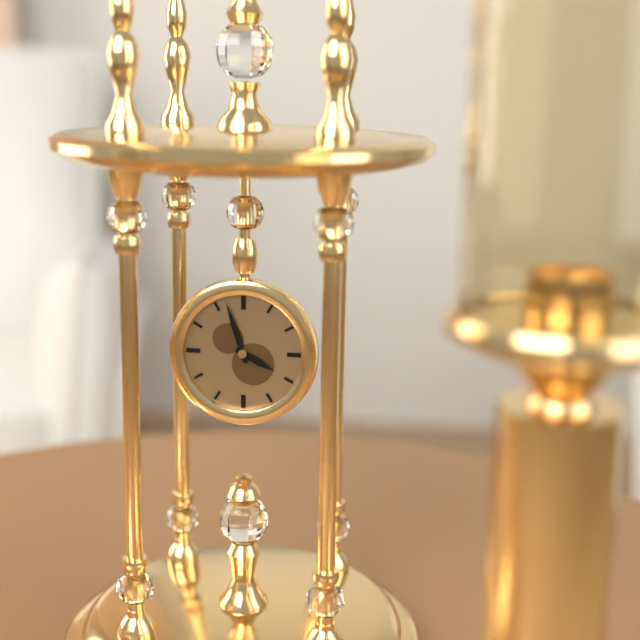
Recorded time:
{"hour": 3, "minute": 57}
